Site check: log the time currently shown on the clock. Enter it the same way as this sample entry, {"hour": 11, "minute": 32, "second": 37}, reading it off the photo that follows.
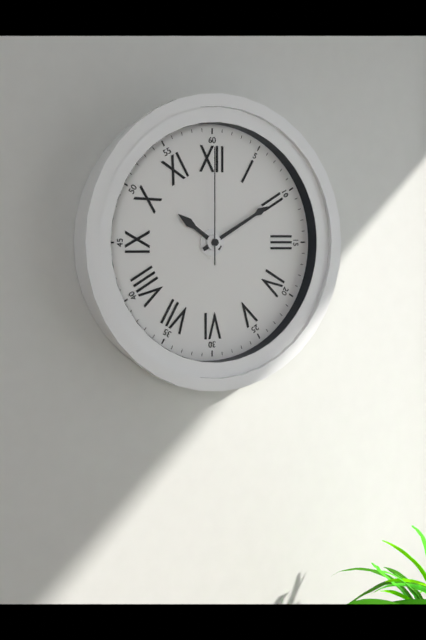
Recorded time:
{"hour": 10, "minute": 10, "second": 0}
